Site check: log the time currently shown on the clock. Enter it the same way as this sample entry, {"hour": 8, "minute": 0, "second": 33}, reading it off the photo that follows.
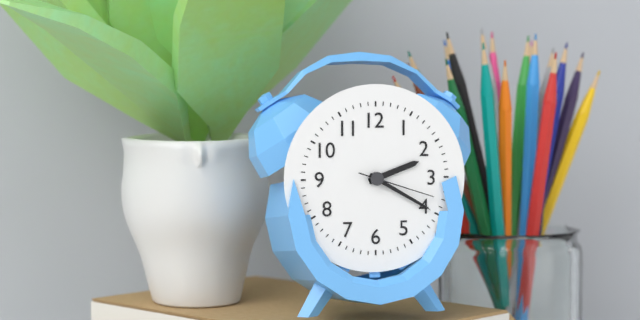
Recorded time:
{"hour": 2, "minute": 20, "second": 18}
